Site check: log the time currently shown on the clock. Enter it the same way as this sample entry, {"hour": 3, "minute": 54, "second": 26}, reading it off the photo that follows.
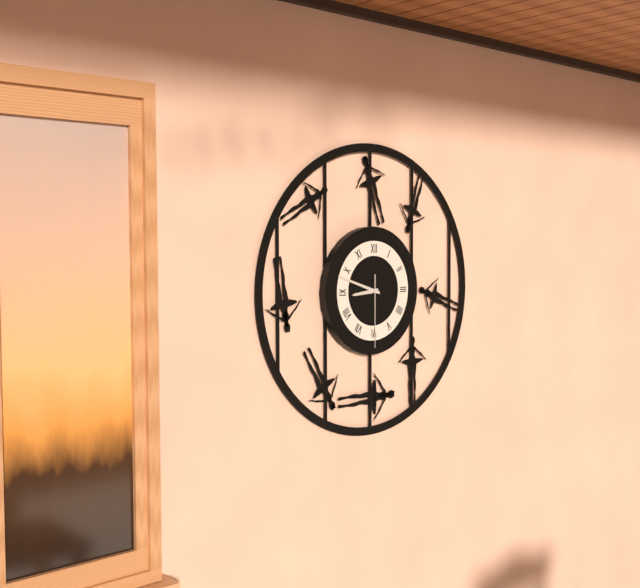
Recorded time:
{"hour": 8, "minute": 48, "second": 30}
